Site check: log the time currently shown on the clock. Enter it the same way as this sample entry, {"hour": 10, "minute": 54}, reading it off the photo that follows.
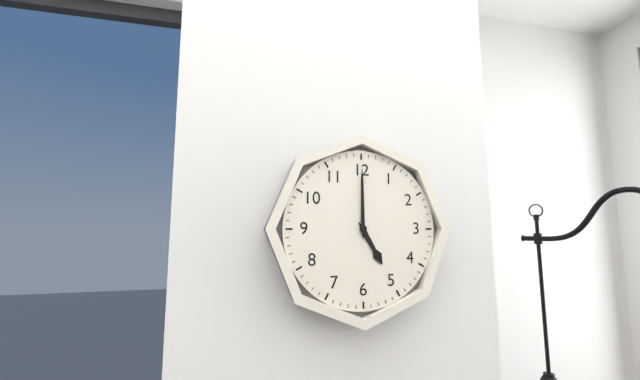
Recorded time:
{"hour": 5, "minute": 0}
